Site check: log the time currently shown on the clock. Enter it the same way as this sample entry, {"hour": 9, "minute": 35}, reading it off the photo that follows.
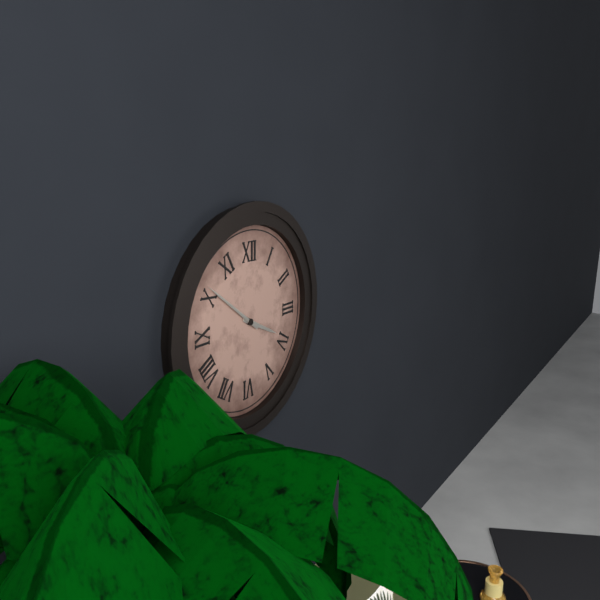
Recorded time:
{"hour": 3, "minute": 51}
